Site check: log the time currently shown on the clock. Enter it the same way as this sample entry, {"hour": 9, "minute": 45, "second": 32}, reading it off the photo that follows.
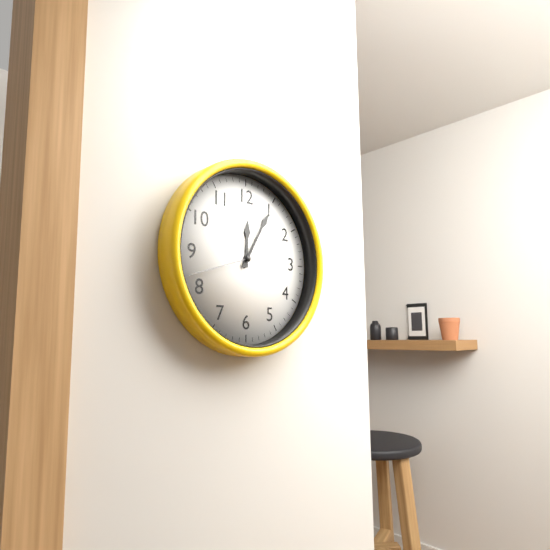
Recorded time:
{"hour": 12, "minute": 5, "second": 42}
